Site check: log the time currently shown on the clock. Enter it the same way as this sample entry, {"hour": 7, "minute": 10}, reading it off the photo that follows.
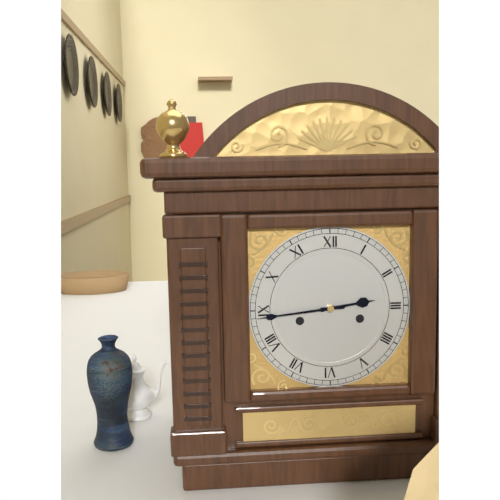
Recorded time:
{"hour": 2, "minute": 44}
